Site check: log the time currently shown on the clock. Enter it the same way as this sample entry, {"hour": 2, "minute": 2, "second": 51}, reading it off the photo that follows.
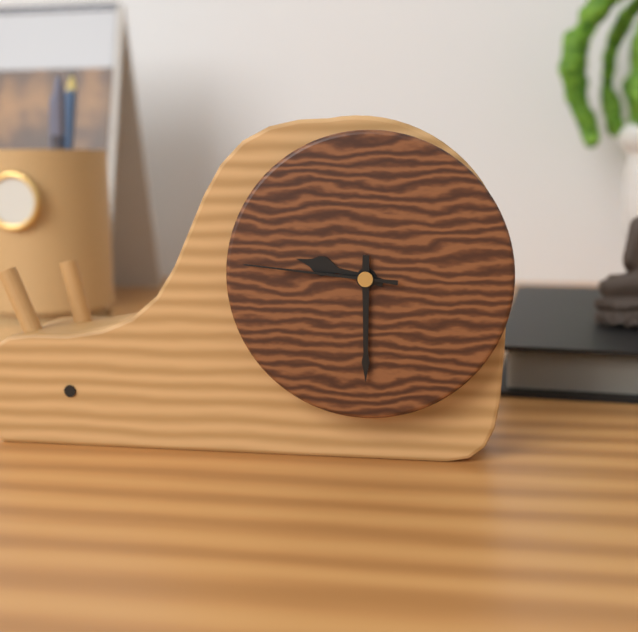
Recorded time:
{"hour": 9, "minute": 30, "second": 46}
